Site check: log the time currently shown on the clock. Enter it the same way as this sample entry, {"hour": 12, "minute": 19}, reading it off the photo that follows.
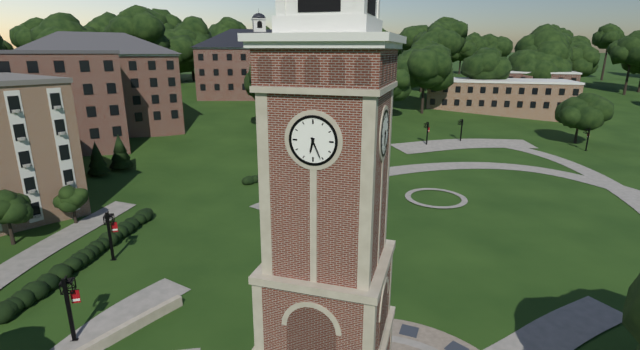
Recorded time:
{"hour": 6, "minute": 26}
